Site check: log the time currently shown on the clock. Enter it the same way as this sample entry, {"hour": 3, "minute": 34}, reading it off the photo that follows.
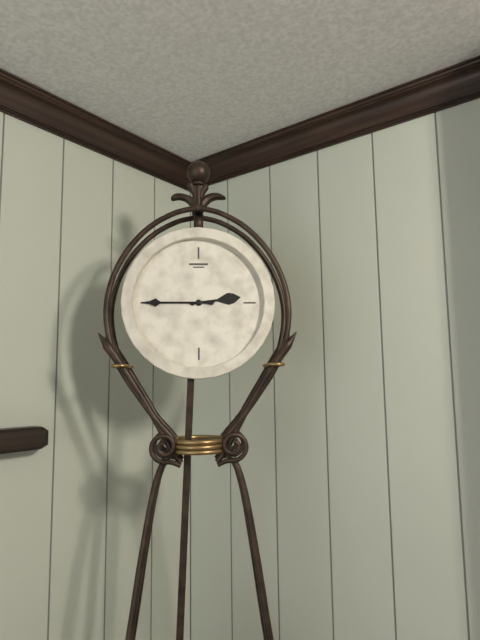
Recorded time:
{"hour": 2, "minute": 45}
